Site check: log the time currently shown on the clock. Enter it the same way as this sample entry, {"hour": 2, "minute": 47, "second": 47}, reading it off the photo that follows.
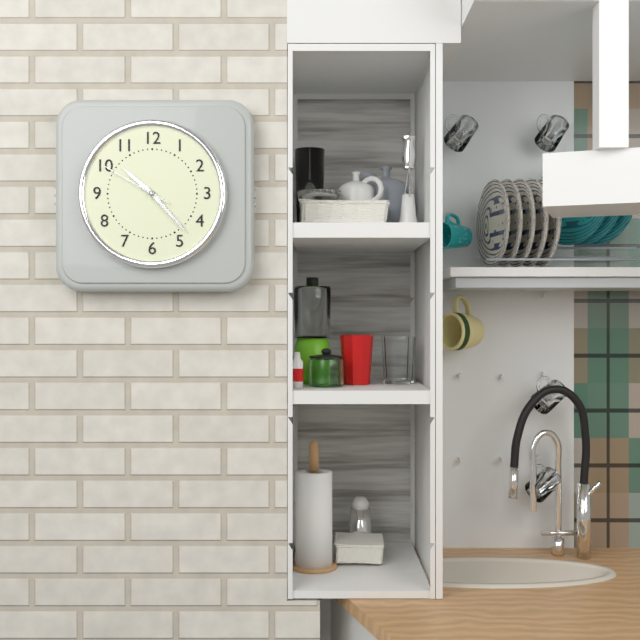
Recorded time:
{"hour": 10, "minute": 23, "second": 50}
